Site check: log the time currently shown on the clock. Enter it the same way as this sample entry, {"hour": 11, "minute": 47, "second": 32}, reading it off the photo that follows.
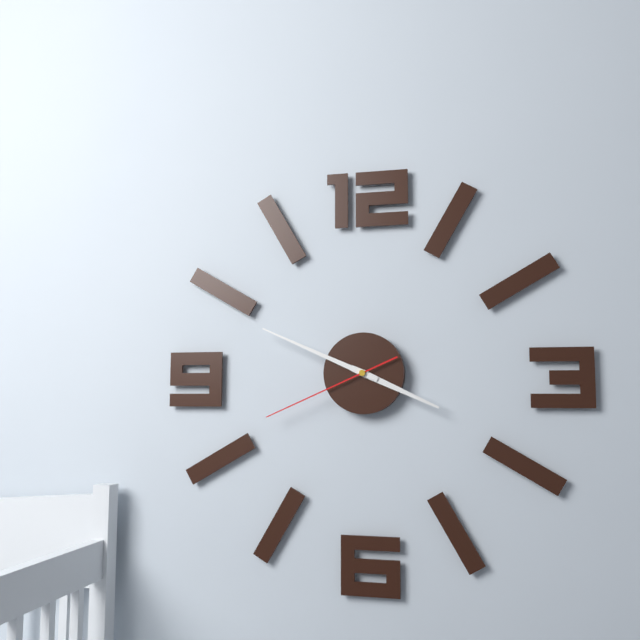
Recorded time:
{"hour": 3, "minute": 49, "second": 41}
